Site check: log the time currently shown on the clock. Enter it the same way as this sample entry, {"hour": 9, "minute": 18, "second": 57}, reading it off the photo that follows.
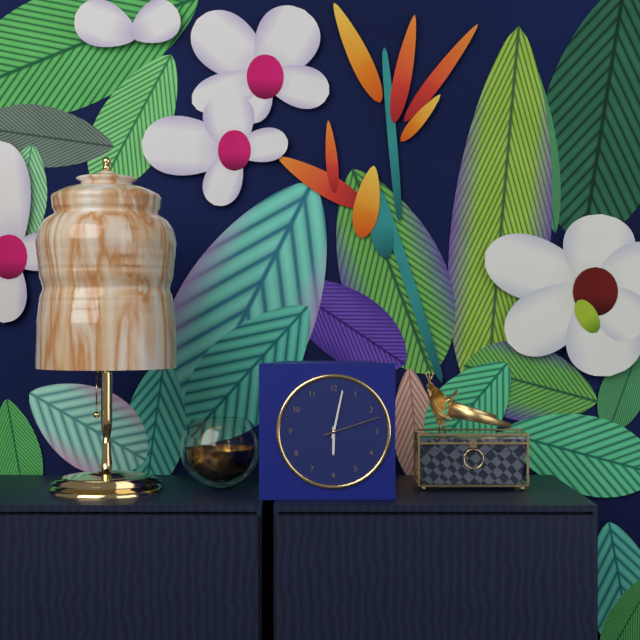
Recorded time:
{"hour": 6, "minute": 2, "second": 12}
